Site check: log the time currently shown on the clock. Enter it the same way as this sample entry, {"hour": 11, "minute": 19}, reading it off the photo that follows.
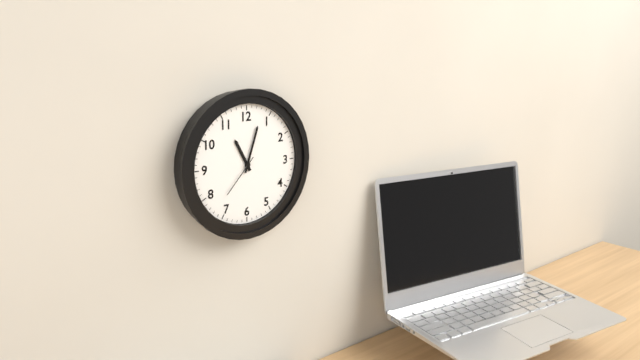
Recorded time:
{"hour": 11, "minute": 3}
